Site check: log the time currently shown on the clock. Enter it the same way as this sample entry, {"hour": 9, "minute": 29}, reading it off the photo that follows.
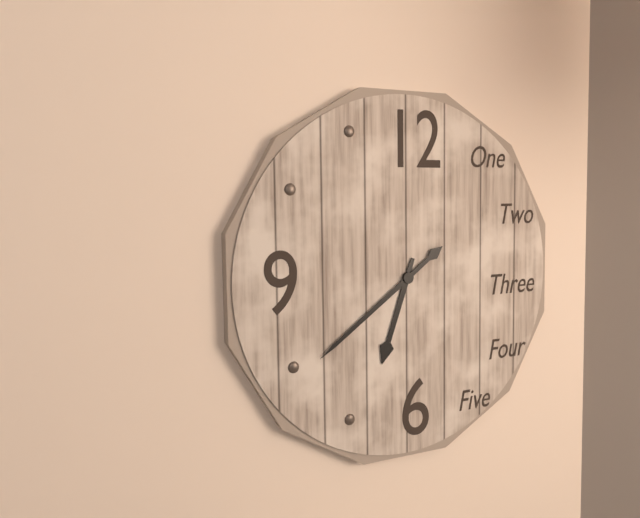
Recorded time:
{"hour": 6, "minute": 39}
